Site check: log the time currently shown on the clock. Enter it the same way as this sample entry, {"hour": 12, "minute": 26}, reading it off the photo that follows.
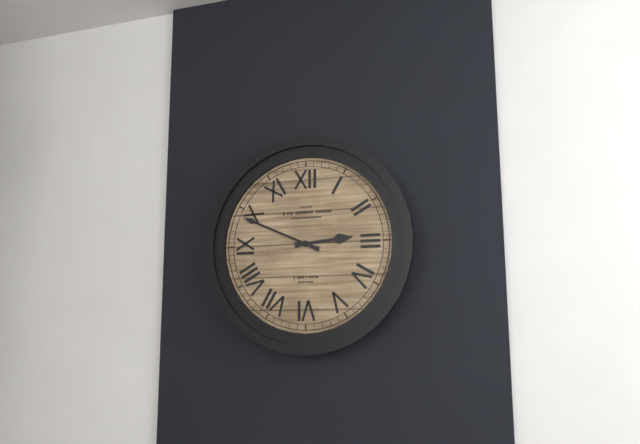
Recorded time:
{"hour": 2, "minute": 49}
